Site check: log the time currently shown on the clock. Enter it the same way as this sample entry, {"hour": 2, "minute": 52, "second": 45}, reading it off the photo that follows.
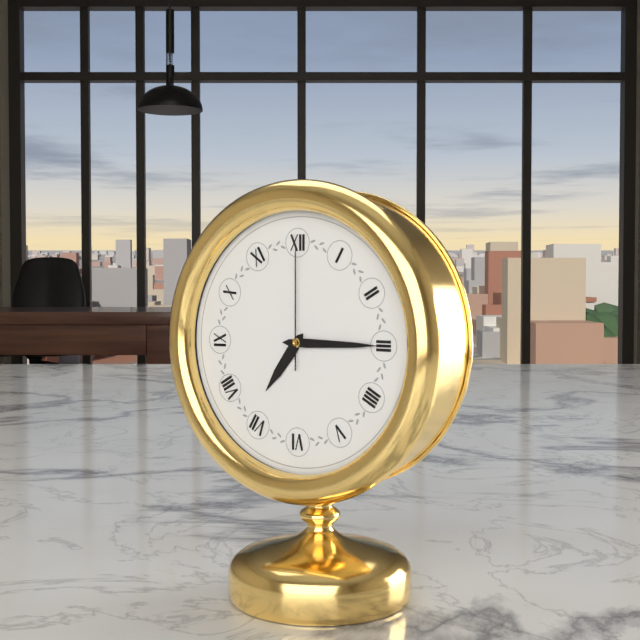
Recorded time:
{"hour": 7, "minute": 15, "second": 0}
